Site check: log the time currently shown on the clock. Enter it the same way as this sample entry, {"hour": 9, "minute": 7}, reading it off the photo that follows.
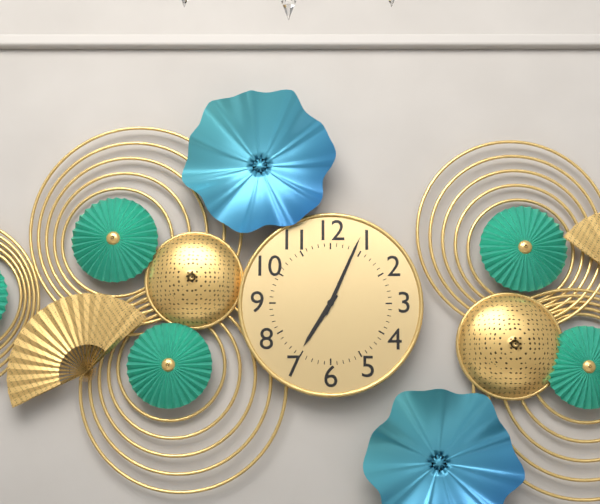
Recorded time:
{"hour": 7, "minute": 4}
